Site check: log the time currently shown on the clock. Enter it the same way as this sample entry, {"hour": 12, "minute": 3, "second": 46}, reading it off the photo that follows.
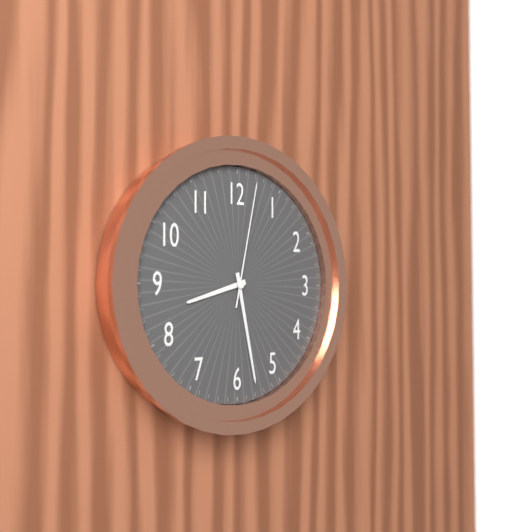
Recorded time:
{"hour": 8, "minute": 28, "second": 2}
